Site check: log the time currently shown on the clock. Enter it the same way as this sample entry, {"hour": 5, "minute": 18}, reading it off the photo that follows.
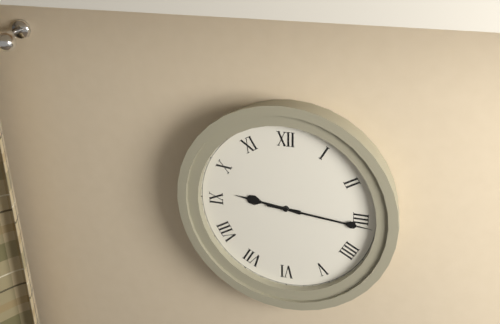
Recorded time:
{"hour": 9, "minute": 16}
